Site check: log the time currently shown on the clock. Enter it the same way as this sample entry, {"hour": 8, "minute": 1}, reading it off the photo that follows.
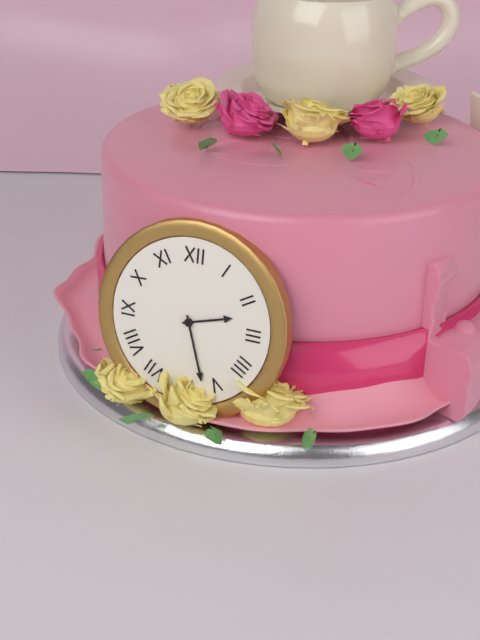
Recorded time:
{"hour": 2, "minute": 27}
